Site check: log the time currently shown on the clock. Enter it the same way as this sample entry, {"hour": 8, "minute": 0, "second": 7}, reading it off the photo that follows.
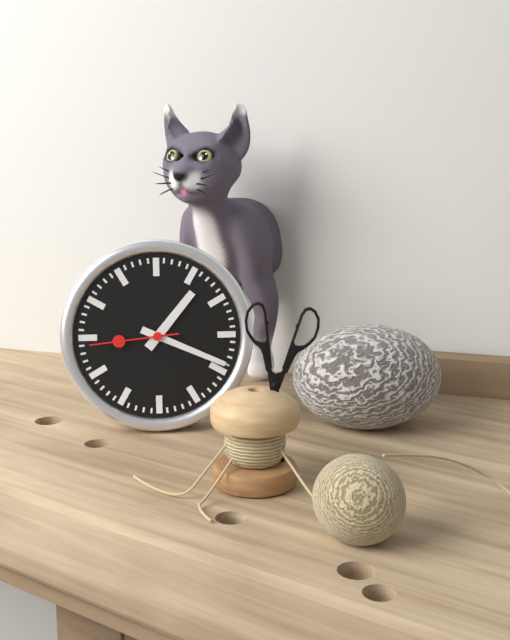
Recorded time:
{"hour": 1, "minute": 19, "second": 44}
